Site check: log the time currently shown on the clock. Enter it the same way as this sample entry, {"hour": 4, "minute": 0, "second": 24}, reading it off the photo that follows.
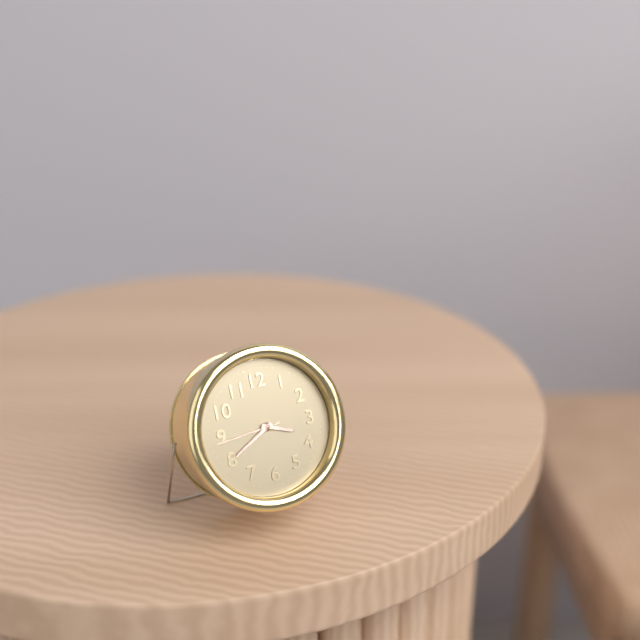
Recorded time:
{"hour": 3, "minute": 40, "second": 44}
